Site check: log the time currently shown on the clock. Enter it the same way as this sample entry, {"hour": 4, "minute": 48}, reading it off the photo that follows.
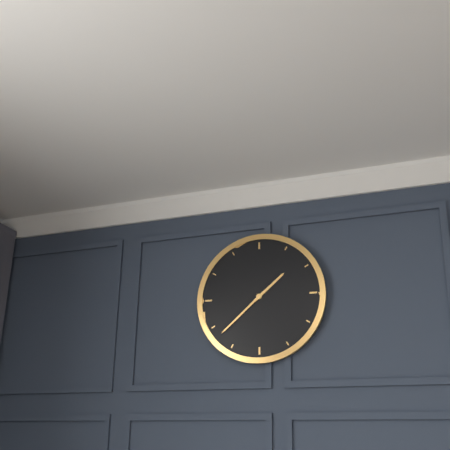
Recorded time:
{"hour": 1, "minute": 38}
